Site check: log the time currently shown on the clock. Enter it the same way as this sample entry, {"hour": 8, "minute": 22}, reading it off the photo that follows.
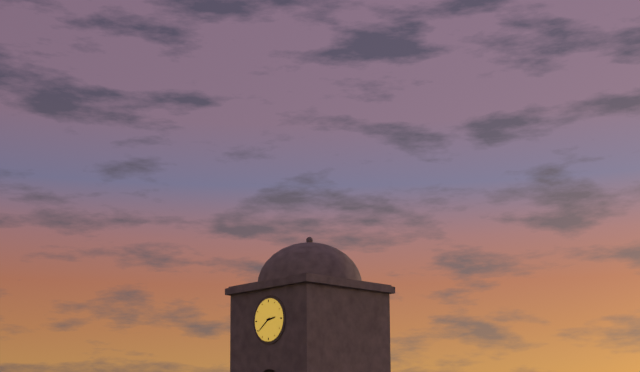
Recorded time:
{"hour": 2, "minute": 39}
